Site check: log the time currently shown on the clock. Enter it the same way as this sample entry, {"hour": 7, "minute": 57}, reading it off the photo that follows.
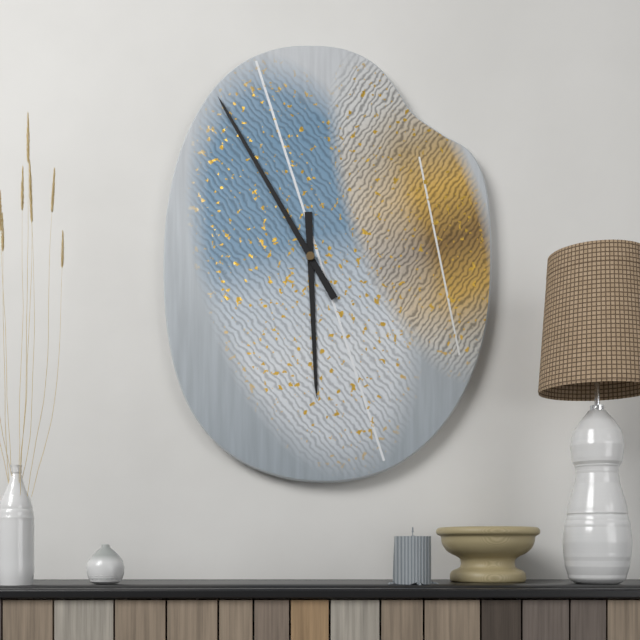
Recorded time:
{"hour": 5, "minute": 55}
